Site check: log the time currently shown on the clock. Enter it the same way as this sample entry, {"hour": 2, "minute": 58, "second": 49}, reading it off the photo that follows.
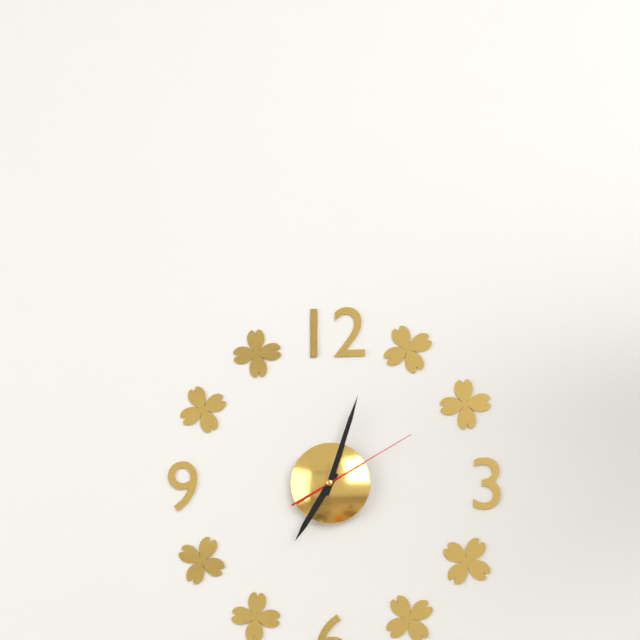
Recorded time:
{"hour": 7, "minute": 3, "second": 10}
